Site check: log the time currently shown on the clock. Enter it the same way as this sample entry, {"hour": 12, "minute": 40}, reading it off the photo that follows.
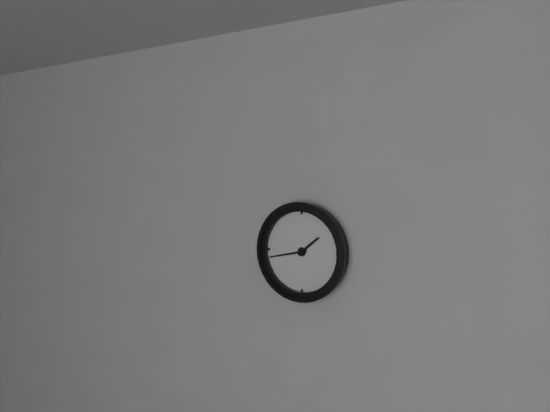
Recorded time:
{"hour": 1, "minute": 43}
